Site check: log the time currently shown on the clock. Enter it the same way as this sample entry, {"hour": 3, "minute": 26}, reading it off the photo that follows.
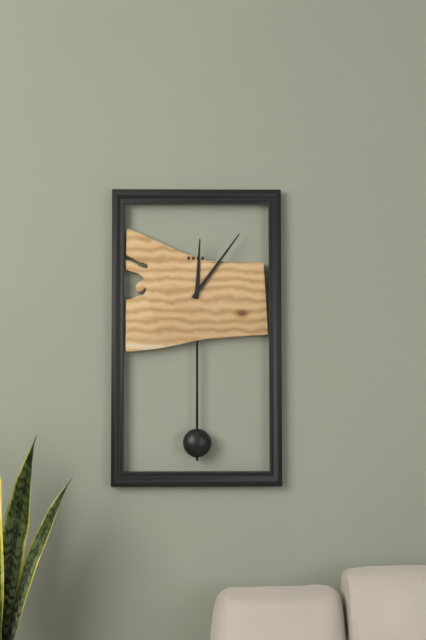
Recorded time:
{"hour": 12, "minute": 6}
